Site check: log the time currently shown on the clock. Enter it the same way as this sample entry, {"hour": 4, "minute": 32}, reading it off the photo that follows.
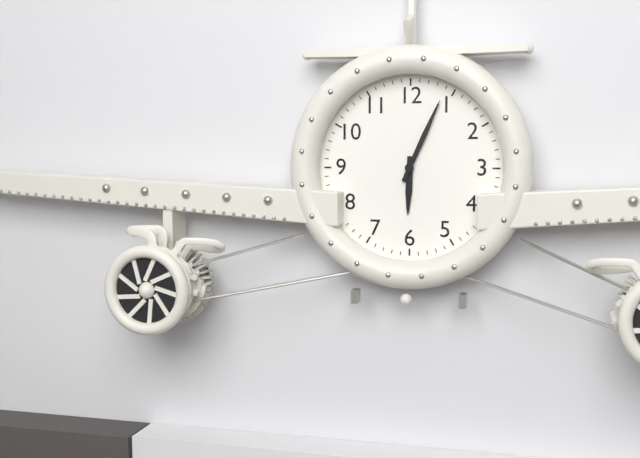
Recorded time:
{"hour": 6, "minute": 4}
